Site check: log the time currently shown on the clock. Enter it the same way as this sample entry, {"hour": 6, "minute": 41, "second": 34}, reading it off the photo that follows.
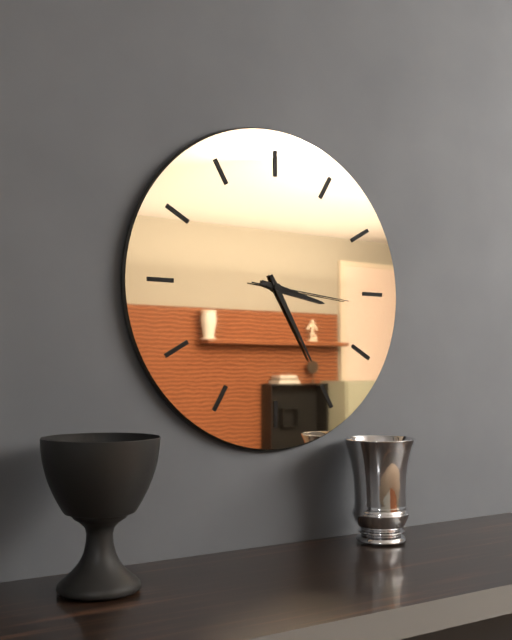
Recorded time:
{"hour": 3, "minute": 25, "second": 16}
